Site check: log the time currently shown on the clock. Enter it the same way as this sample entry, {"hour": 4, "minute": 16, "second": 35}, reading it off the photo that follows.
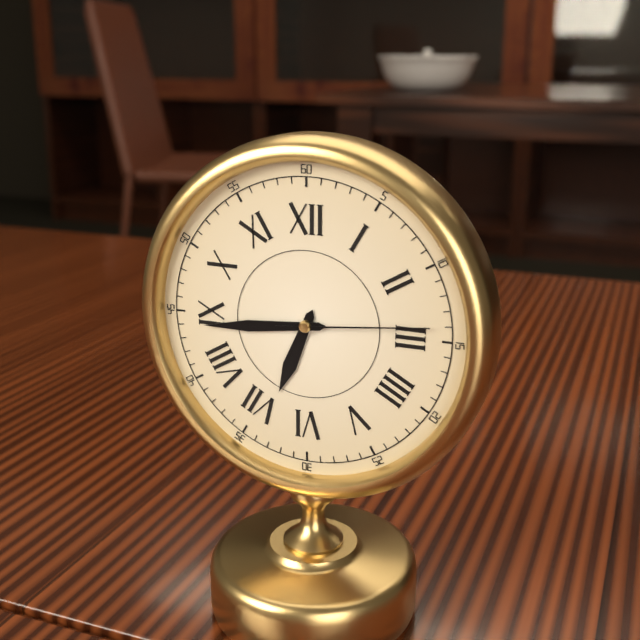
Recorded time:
{"hour": 6, "minute": 44, "second": 14}
